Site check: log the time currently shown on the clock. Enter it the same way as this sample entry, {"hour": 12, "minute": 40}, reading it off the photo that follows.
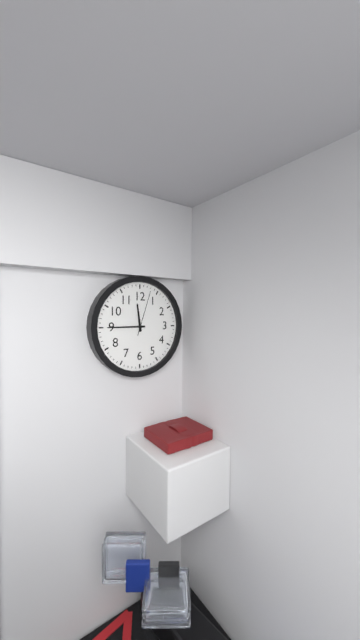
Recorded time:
{"hour": 11, "minute": 45}
